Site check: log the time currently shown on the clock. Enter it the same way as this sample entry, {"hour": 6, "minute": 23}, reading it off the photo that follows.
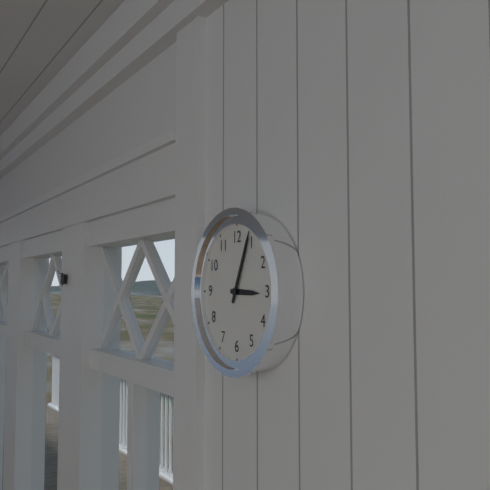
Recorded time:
{"hour": 3, "minute": 4}
